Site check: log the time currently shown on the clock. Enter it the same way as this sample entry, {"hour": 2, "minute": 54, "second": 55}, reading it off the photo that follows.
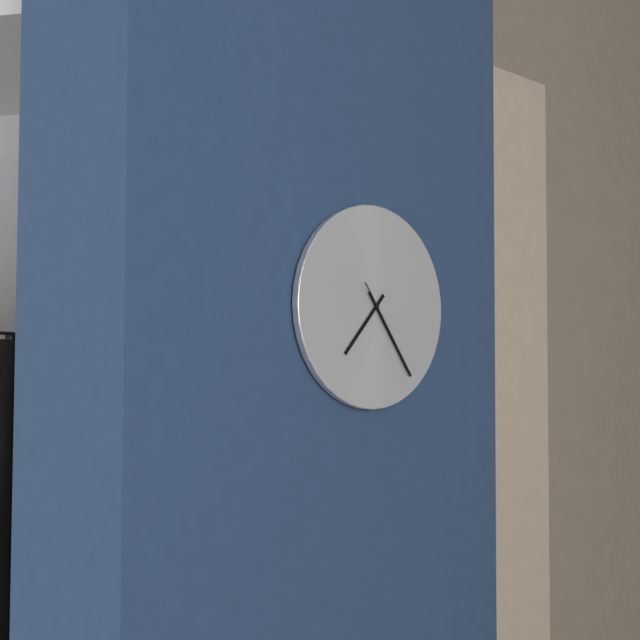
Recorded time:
{"hour": 7, "minute": 24, "second": 24}
